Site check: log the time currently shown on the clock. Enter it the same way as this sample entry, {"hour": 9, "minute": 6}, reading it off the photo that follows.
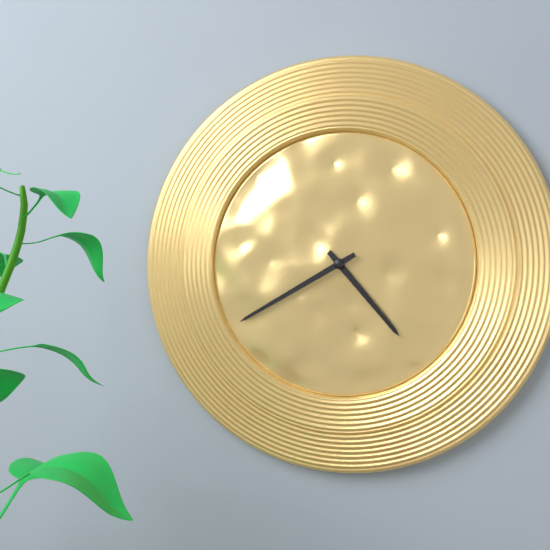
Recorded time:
{"hour": 4, "minute": 40}
